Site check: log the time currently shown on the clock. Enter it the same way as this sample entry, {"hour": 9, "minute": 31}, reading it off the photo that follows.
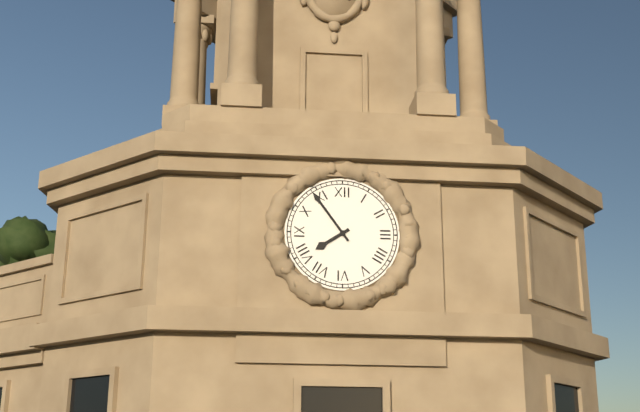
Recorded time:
{"hour": 7, "minute": 54}
